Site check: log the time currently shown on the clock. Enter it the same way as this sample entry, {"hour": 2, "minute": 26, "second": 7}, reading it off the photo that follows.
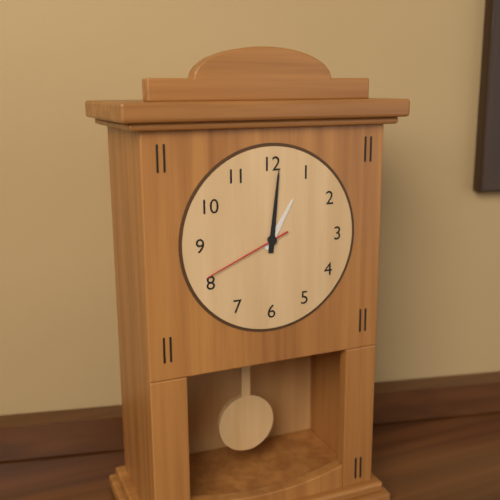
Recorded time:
{"hour": 1, "minute": 1, "second": 41}
